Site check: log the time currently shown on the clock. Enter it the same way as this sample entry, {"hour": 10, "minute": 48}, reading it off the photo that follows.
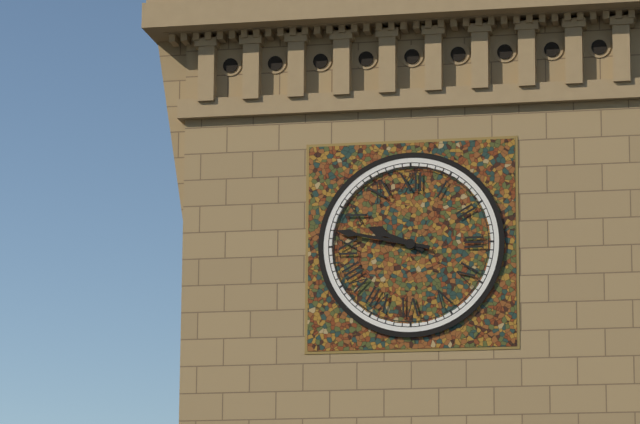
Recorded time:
{"hour": 9, "minute": 47}
